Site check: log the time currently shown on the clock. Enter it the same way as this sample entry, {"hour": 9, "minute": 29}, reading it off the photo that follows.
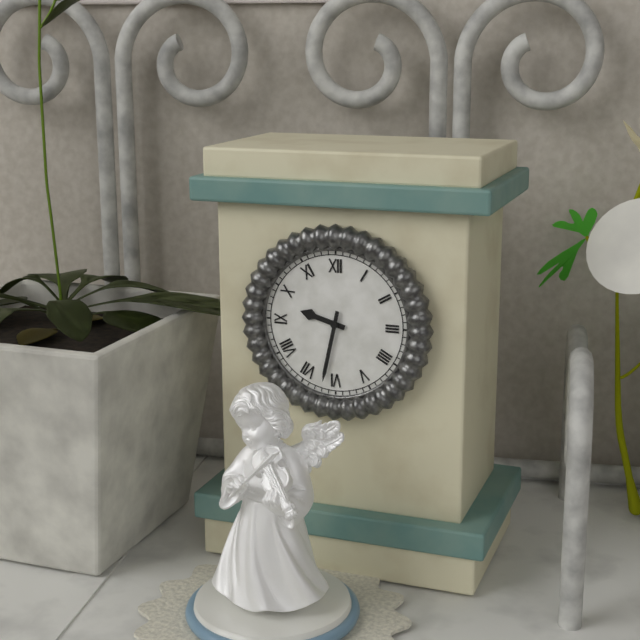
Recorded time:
{"hour": 9, "minute": 32}
